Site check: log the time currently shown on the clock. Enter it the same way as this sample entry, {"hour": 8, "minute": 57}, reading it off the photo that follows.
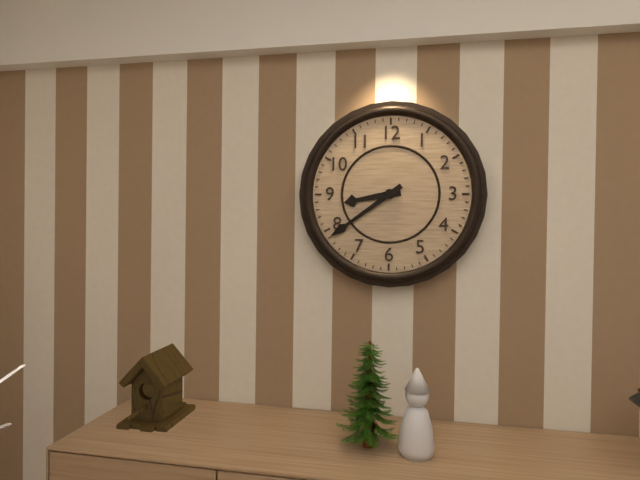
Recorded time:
{"hour": 8, "minute": 39}
